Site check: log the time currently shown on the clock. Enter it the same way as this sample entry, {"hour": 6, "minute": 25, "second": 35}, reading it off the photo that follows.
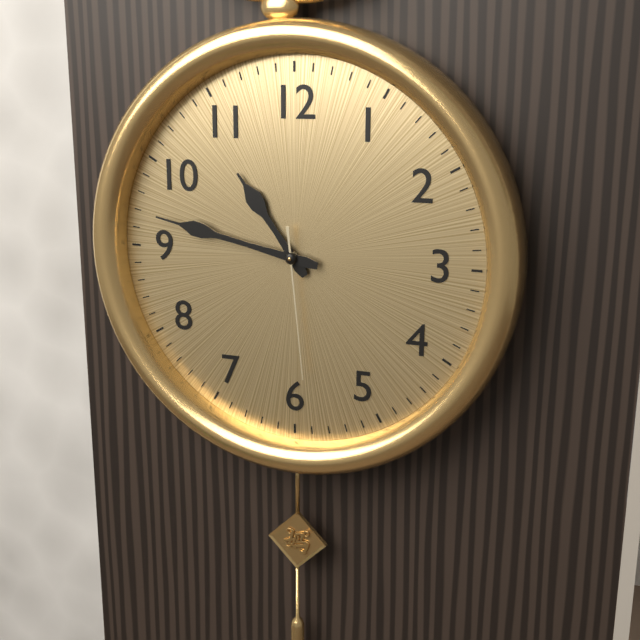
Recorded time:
{"hour": 10, "minute": 47, "second": 29}
